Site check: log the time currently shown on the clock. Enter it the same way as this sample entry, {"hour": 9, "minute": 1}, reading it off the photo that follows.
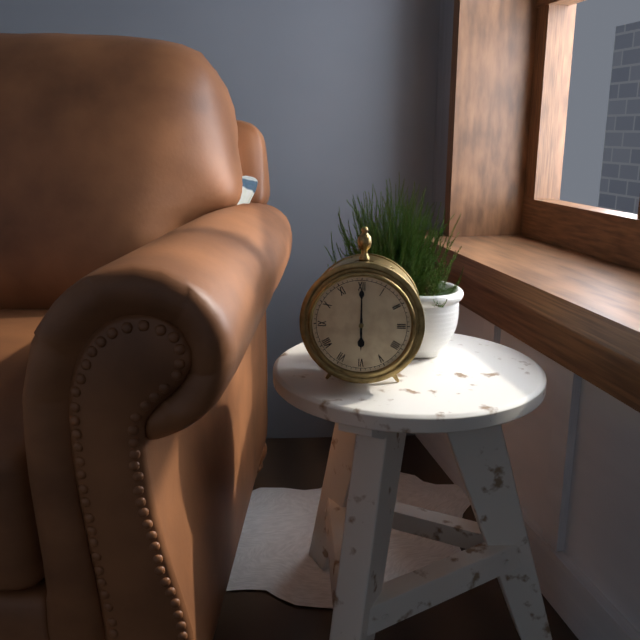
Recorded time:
{"hour": 6, "minute": 0}
